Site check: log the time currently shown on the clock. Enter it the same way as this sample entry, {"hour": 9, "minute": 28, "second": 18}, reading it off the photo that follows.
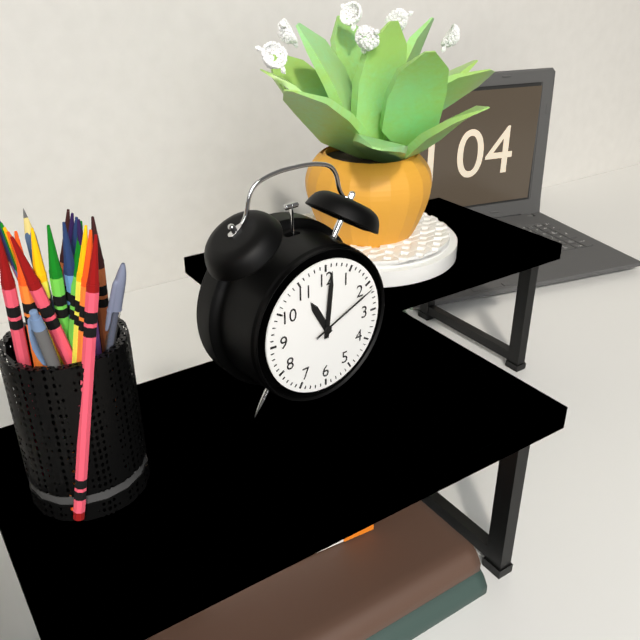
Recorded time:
{"hour": 11, "minute": 1, "second": 11}
